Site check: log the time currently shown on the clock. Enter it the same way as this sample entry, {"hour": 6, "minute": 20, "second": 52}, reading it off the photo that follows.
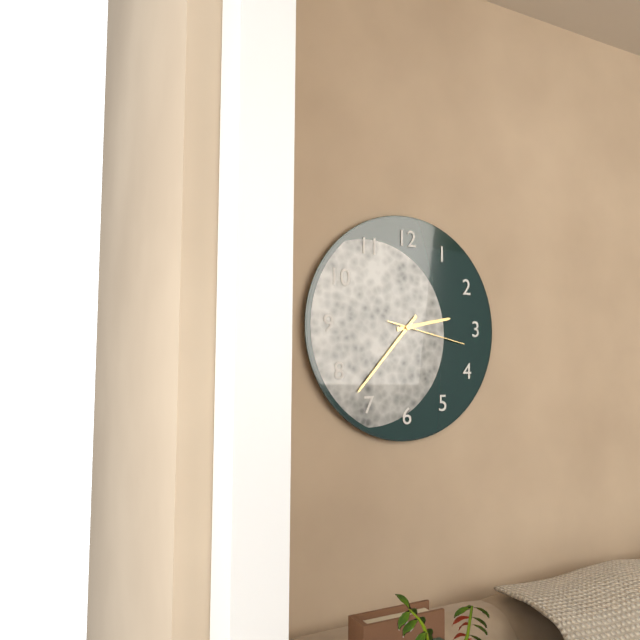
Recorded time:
{"hour": 2, "minute": 37, "second": 17}
